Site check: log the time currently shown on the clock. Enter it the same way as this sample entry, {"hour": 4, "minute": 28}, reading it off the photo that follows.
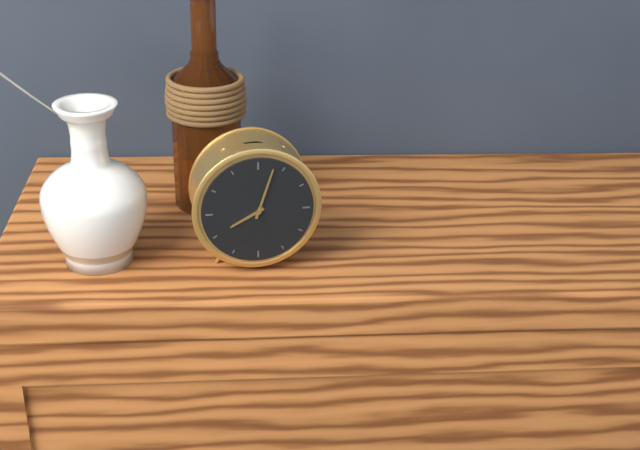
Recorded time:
{"hour": 8, "minute": 3}
